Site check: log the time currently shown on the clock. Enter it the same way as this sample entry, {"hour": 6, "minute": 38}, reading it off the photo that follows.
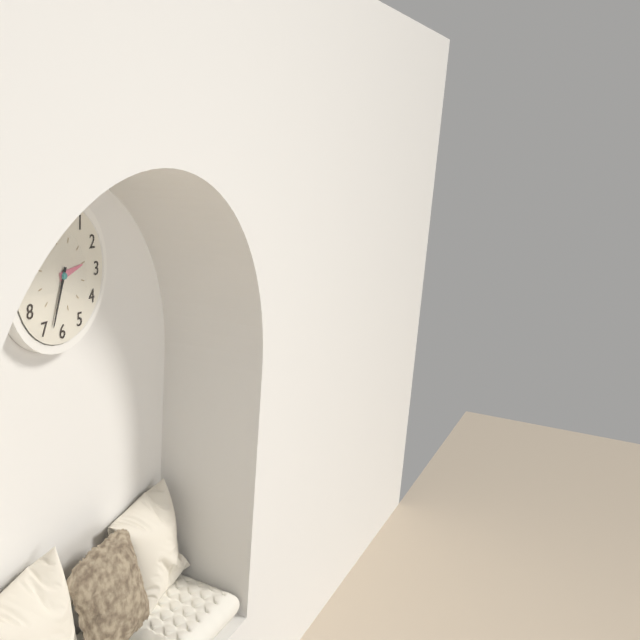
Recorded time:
{"hour": 2, "minute": 33}
